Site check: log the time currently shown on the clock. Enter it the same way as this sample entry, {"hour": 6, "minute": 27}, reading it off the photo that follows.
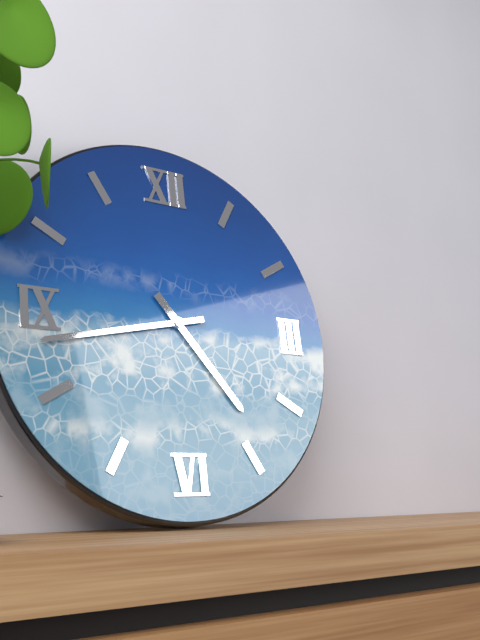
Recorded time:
{"hour": 4, "minute": 43}
